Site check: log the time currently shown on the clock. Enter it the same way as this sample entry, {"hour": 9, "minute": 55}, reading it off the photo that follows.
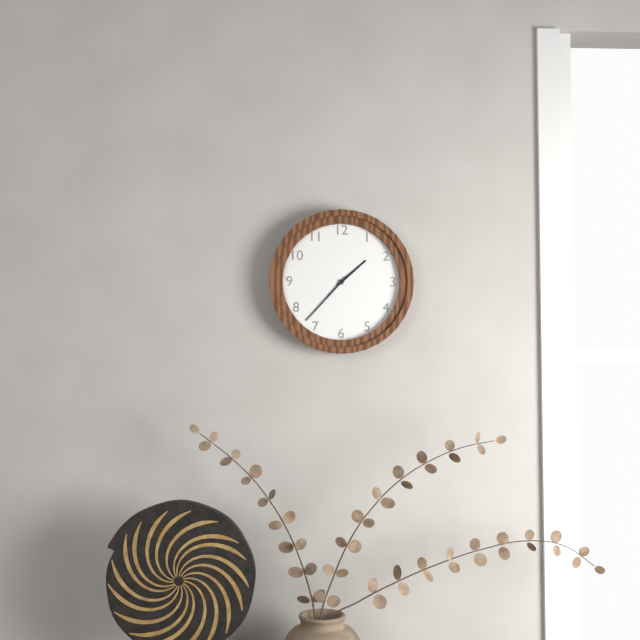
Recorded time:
{"hour": 1, "minute": 37}
